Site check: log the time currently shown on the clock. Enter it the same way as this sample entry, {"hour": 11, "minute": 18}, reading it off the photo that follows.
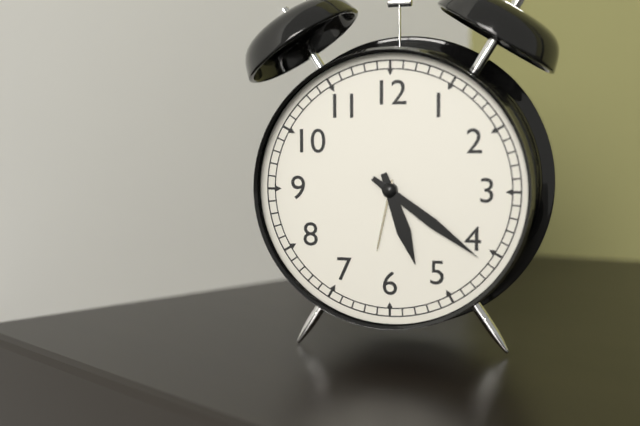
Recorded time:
{"hour": 5, "minute": 21}
